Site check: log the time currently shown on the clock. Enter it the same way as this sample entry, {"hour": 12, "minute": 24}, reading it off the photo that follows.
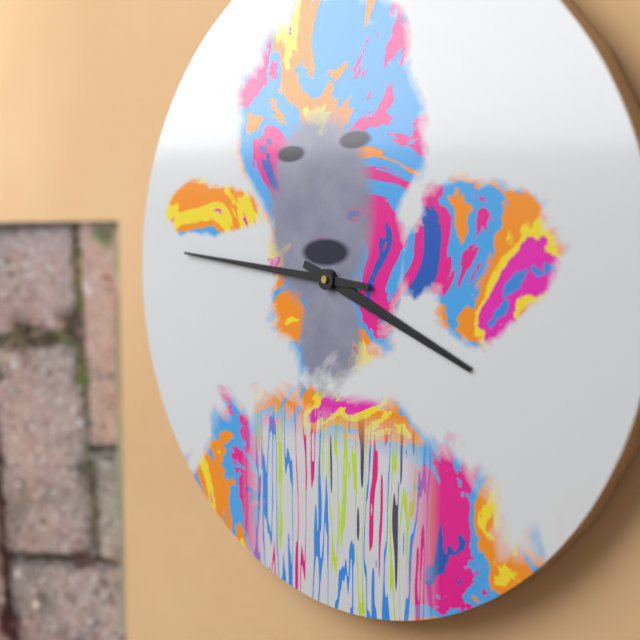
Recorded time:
{"hour": 3, "minute": 46}
